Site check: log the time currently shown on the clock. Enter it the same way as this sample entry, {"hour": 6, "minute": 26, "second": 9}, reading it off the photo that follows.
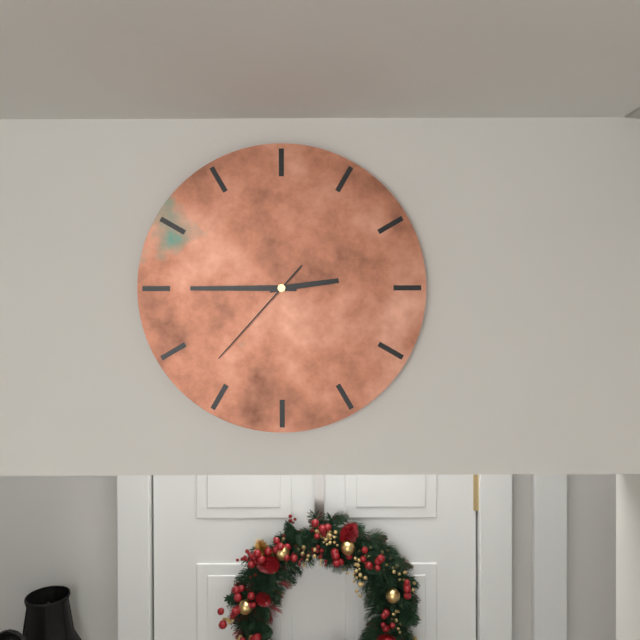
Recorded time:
{"hour": 2, "minute": 45, "second": 37}
